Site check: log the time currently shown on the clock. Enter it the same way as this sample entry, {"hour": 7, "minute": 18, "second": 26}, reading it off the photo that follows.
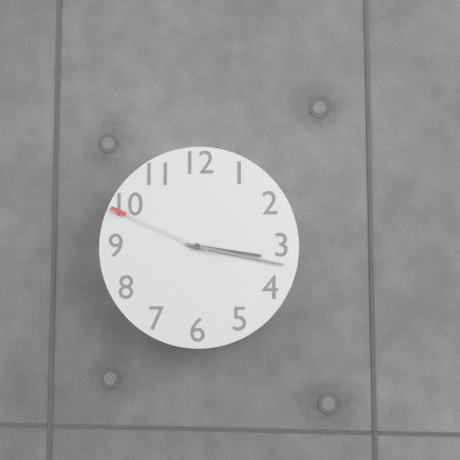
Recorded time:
{"hour": 3, "minute": 17, "second": 49}
